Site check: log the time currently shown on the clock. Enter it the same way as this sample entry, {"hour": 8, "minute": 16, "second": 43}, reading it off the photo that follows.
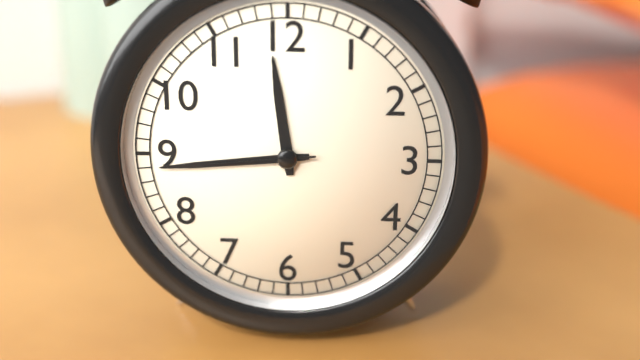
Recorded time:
{"hour": 11, "minute": 44, "second": 44}
